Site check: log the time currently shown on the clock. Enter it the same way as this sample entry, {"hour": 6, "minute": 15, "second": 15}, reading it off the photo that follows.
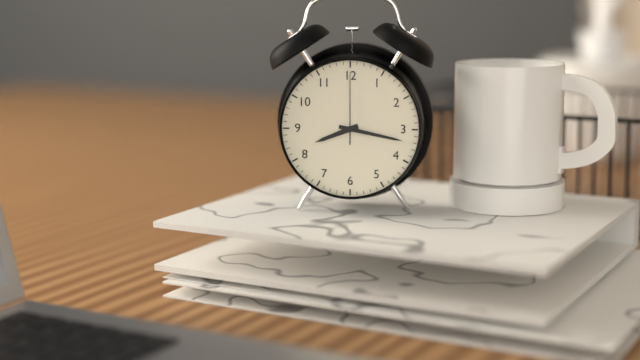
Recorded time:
{"hour": 8, "minute": 17, "second": 0}
